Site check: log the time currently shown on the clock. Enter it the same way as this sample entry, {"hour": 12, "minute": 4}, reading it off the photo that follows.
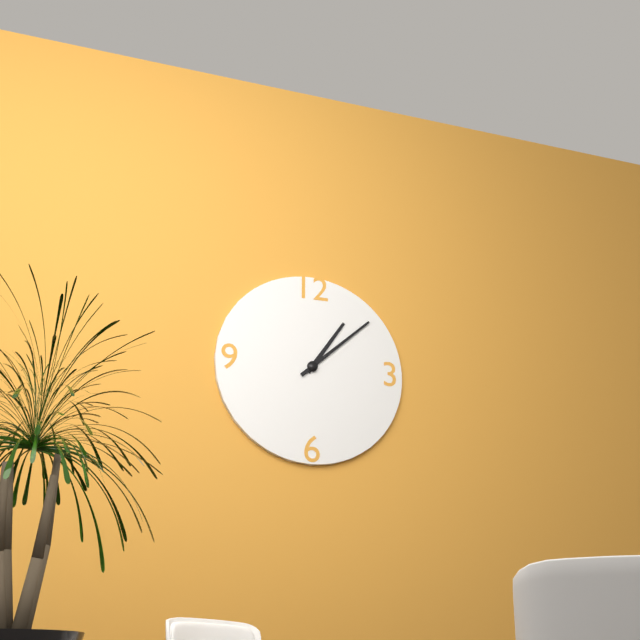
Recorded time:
{"hour": 1, "minute": 8}
